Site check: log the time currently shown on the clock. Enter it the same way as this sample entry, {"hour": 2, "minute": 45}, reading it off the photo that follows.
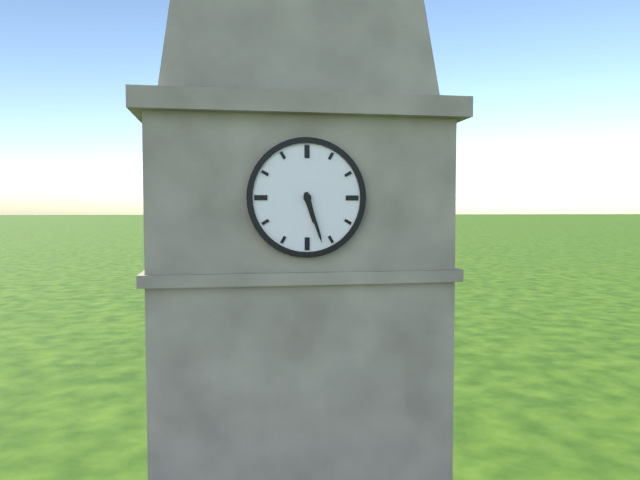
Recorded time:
{"hour": 5, "minute": 27}
